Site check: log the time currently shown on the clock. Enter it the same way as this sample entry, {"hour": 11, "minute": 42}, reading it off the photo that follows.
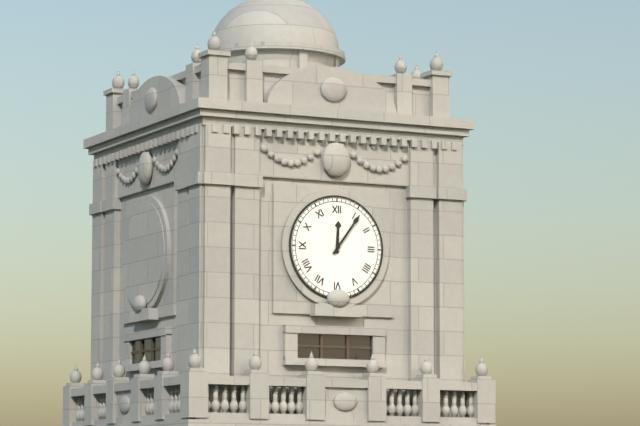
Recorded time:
{"hour": 12, "minute": 6}
